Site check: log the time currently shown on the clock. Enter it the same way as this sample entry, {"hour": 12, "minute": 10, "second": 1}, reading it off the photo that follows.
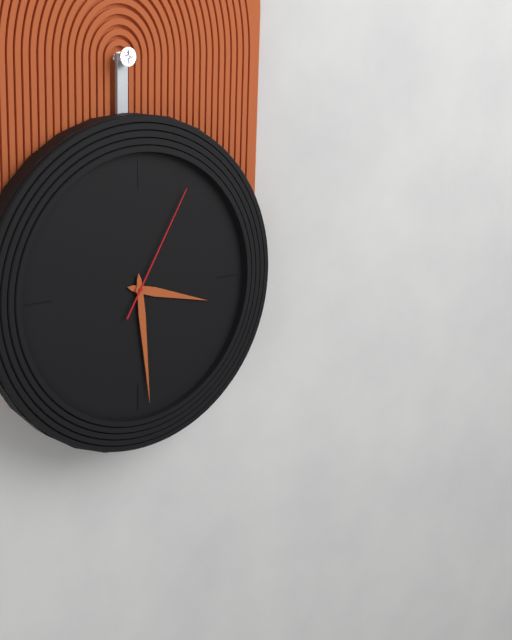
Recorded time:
{"hour": 3, "minute": 29, "second": 5}
